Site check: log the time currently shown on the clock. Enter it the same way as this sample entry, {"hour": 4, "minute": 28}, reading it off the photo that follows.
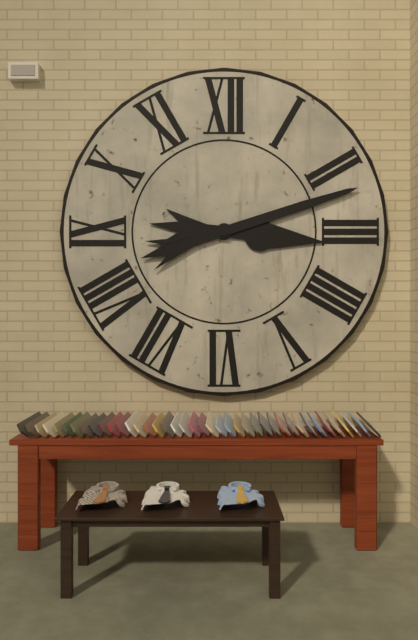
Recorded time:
{"hour": 3, "minute": 12}
